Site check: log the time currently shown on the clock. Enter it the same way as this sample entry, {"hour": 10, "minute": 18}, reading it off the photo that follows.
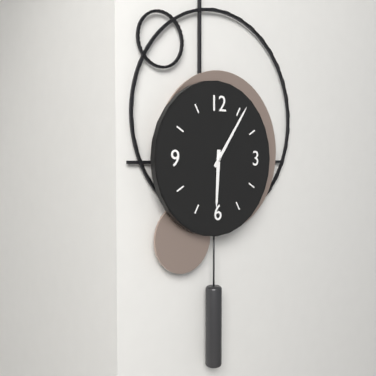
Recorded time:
{"hour": 6, "minute": 6}
